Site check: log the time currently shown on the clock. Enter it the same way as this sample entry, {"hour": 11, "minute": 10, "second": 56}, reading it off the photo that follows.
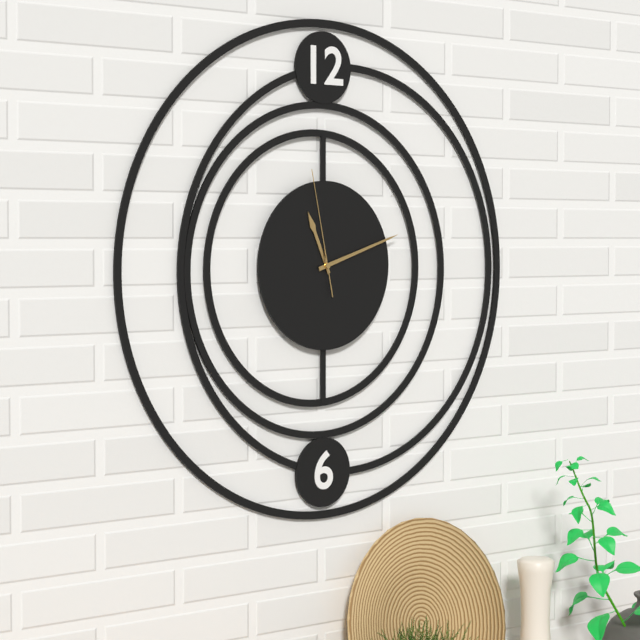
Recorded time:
{"hour": 11, "minute": 12, "second": 58}
